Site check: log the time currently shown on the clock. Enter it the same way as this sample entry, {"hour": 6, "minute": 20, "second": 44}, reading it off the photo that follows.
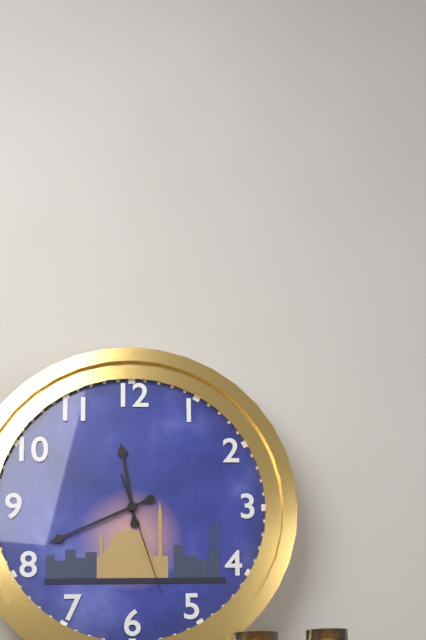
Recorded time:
{"hour": 11, "minute": 41, "second": 27}
